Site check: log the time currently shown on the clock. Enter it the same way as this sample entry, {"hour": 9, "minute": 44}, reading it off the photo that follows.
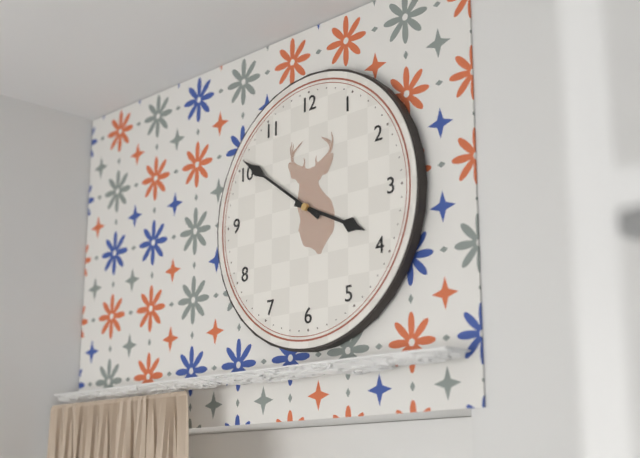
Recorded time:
{"hour": 3, "minute": 51}
